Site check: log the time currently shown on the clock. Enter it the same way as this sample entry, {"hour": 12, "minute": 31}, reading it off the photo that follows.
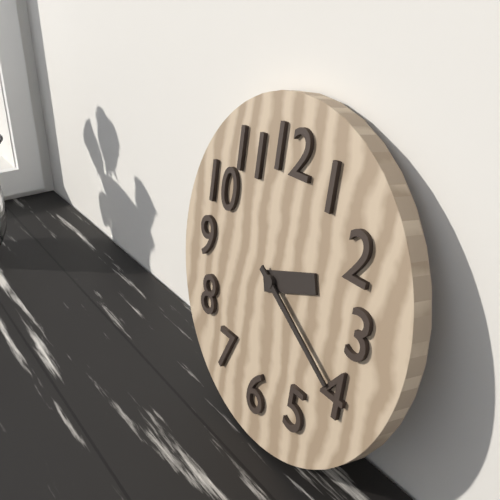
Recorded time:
{"hour": 2, "minute": 20}
